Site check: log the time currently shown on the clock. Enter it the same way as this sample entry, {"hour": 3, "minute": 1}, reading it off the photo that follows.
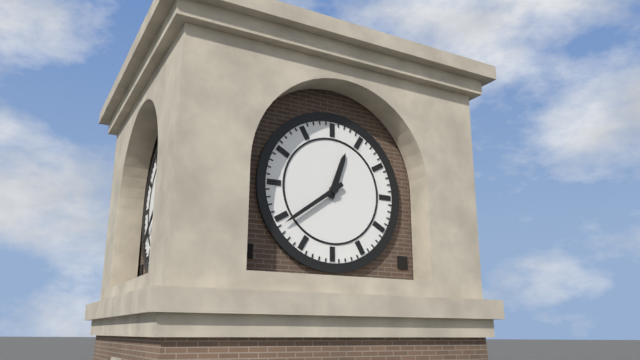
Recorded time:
{"hour": 12, "minute": 39}
